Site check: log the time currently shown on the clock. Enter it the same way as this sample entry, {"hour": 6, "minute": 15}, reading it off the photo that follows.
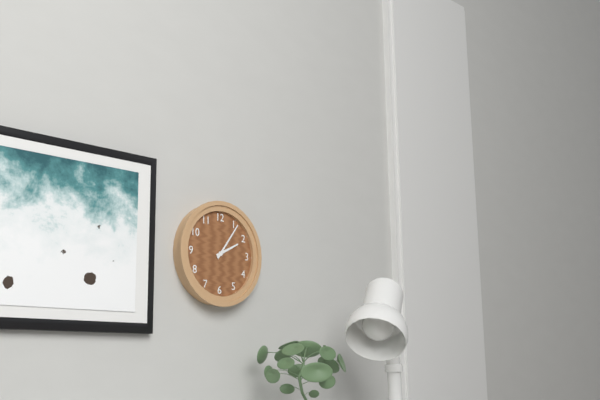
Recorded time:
{"hour": 2, "minute": 6}
